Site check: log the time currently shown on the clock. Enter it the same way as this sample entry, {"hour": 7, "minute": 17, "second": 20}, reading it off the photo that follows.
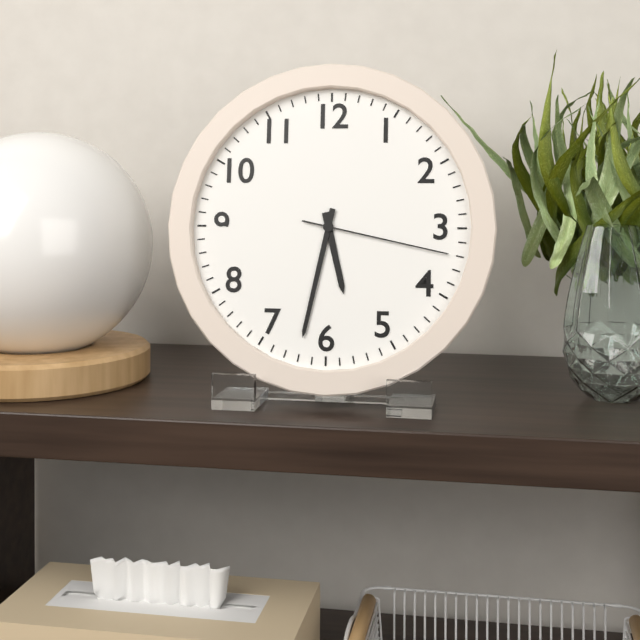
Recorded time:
{"hour": 5, "minute": 32, "second": 17}
